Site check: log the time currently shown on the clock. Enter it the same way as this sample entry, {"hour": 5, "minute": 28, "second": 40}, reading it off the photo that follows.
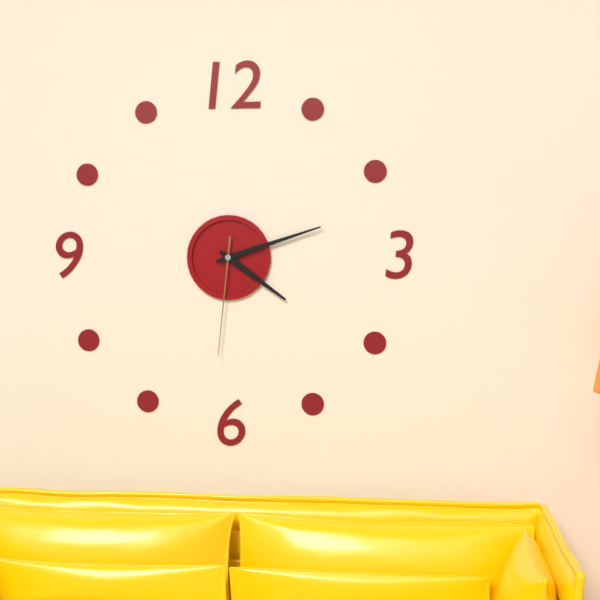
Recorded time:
{"hour": 4, "minute": 12, "second": 31}
